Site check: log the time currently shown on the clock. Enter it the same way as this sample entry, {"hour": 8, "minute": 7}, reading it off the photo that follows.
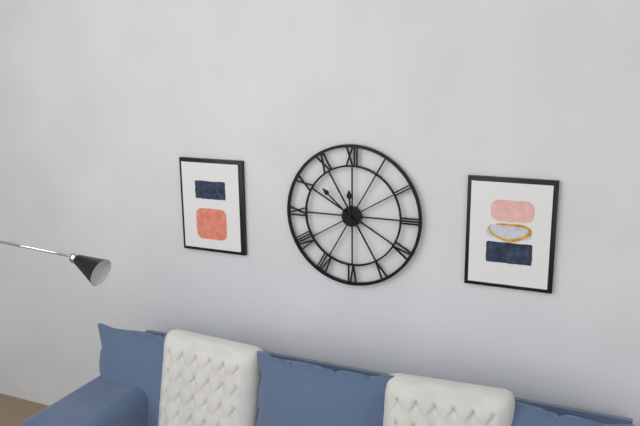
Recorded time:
{"hour": 11, "minute": 52}
